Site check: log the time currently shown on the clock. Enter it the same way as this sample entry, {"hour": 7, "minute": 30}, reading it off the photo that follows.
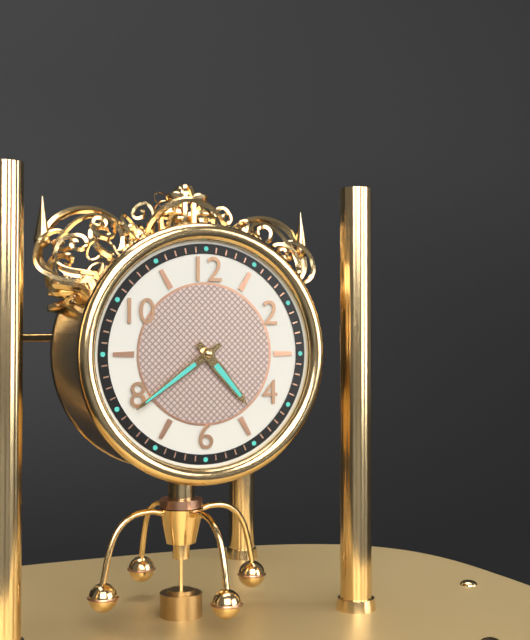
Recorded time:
{"hour": 4, "minute": 39}
